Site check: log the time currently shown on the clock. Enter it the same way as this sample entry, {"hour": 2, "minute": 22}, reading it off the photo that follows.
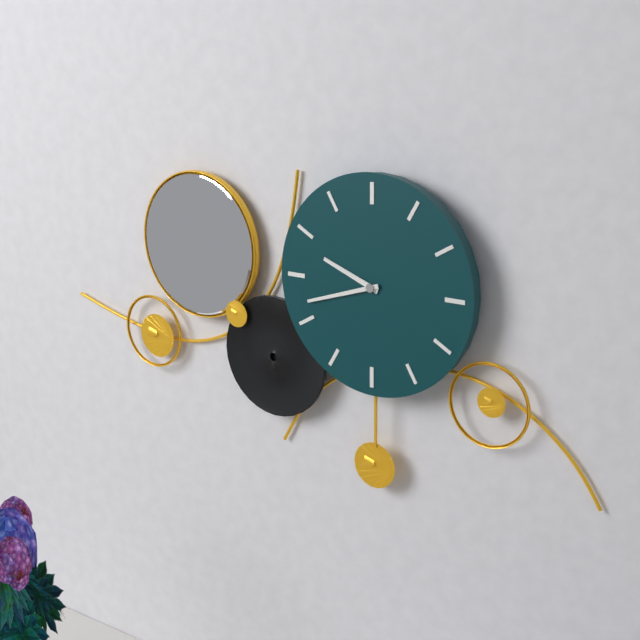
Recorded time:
{"hour": 9, "minute": 42}
